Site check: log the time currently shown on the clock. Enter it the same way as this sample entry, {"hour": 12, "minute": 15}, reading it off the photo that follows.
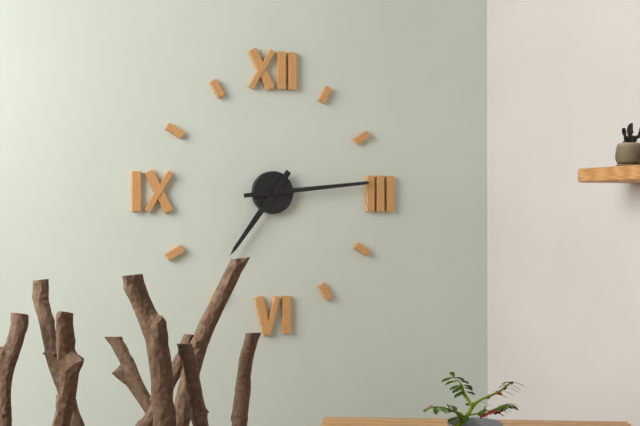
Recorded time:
{"hour": 7, "minute": 14}
